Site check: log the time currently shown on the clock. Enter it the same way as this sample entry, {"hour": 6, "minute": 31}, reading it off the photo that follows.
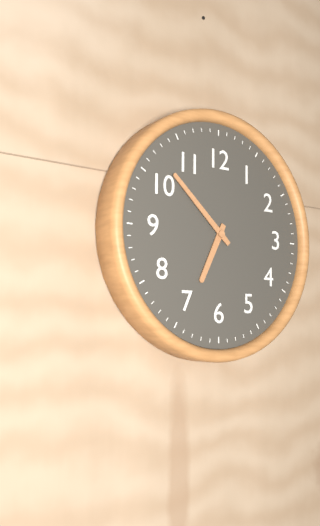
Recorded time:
{"hour": 6, "minute": 52}
